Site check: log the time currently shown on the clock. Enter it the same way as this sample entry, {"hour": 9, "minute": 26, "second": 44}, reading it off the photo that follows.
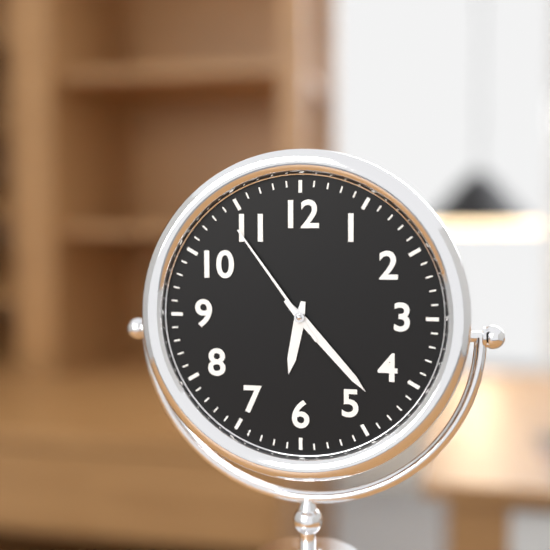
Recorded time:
{"hour": 6, "minute": 23, "second": 54}
